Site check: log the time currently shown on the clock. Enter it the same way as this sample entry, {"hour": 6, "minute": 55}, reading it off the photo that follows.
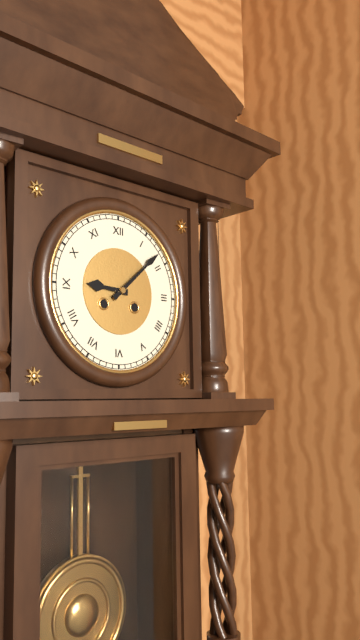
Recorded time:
{"hour": 9, "minute": 8}
